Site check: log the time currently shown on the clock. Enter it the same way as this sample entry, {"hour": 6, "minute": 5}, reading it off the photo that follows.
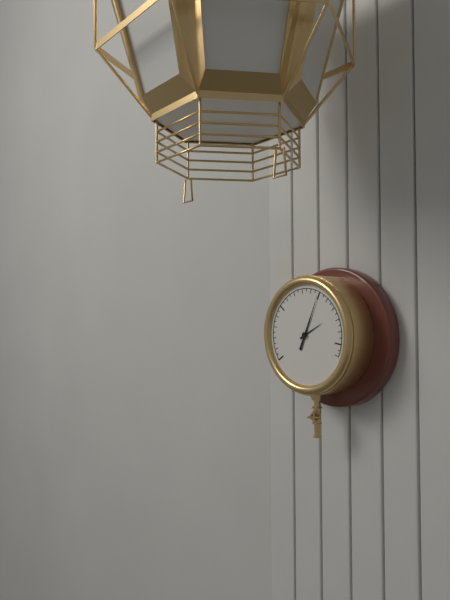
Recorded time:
{"hour": 2, "minute": 4}
